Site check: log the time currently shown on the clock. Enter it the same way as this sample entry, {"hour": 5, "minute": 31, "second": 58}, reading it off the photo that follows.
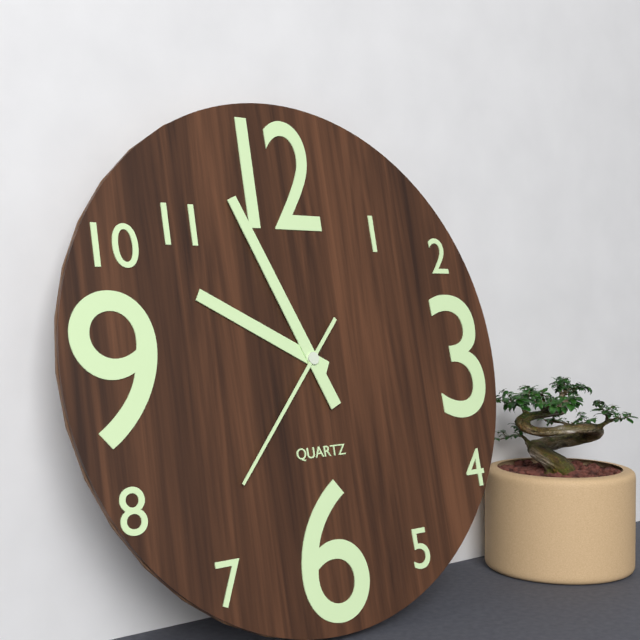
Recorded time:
{"hour": 9, "minute": 56, "second": 37}
